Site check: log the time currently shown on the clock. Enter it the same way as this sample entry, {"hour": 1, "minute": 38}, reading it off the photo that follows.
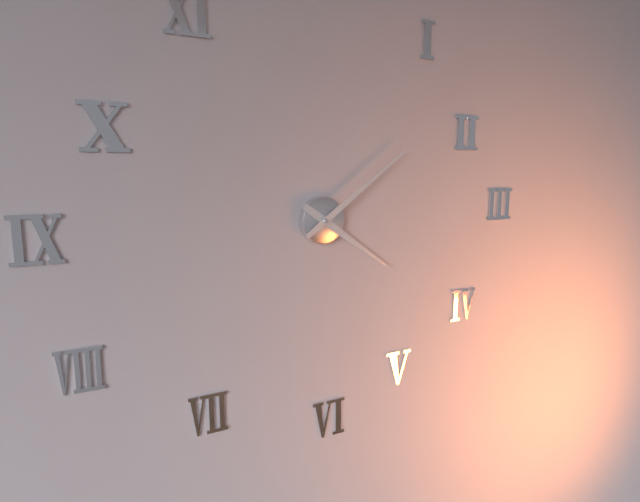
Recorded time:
{"hour": 4, "minute": 9}
